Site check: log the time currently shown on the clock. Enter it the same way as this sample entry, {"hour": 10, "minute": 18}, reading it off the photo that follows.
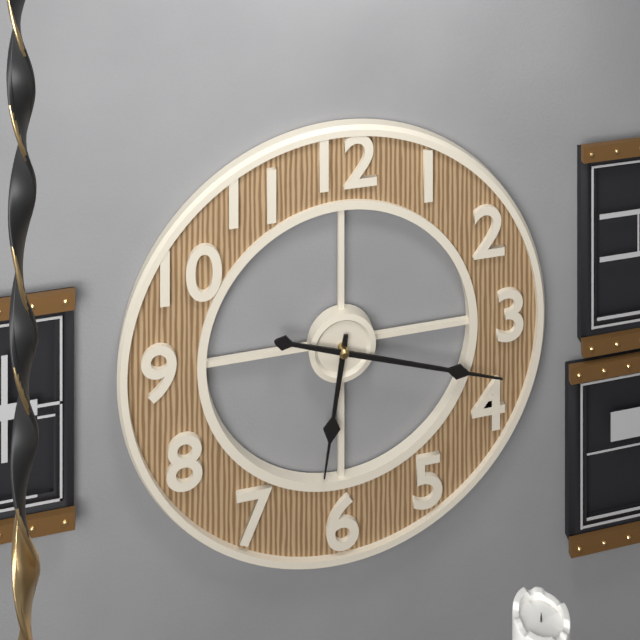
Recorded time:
{"hour": 6, "minute": 18}
